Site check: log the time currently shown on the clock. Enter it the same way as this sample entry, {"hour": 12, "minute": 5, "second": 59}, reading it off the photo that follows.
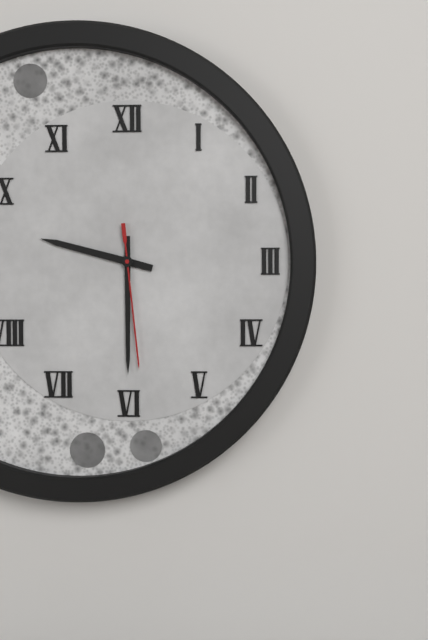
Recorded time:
{"hour": 9, "minute": 30, "second": 29}
